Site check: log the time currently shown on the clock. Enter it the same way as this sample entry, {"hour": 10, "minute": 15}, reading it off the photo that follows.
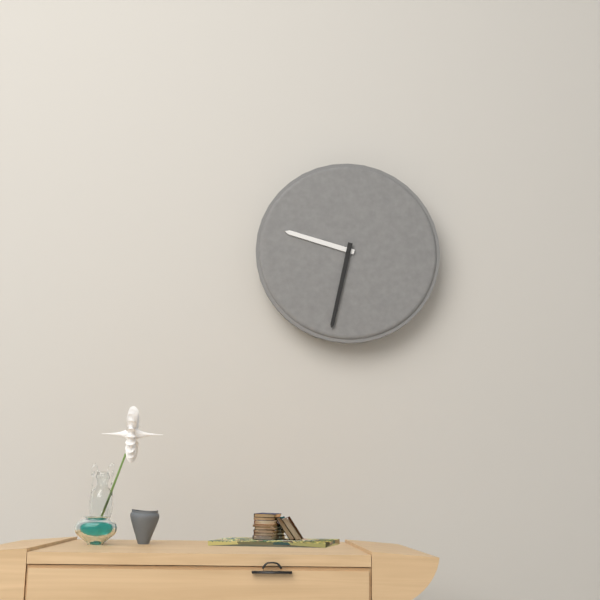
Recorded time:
{"hour": 9, "minute": 32}
